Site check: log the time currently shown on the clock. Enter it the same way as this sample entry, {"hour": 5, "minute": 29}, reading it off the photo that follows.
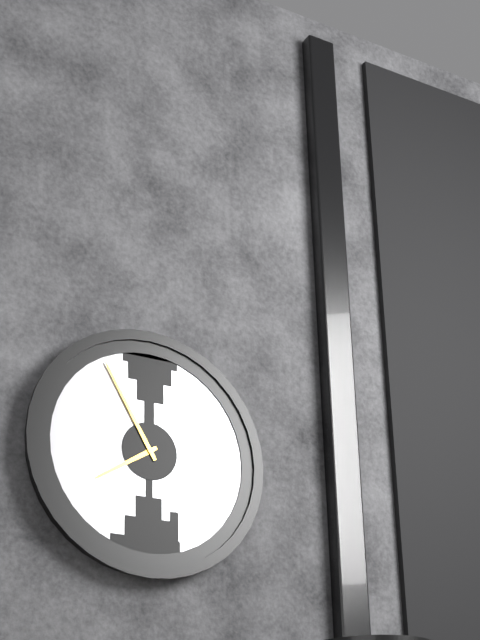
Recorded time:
{"hour": 7, "minute": 55}
